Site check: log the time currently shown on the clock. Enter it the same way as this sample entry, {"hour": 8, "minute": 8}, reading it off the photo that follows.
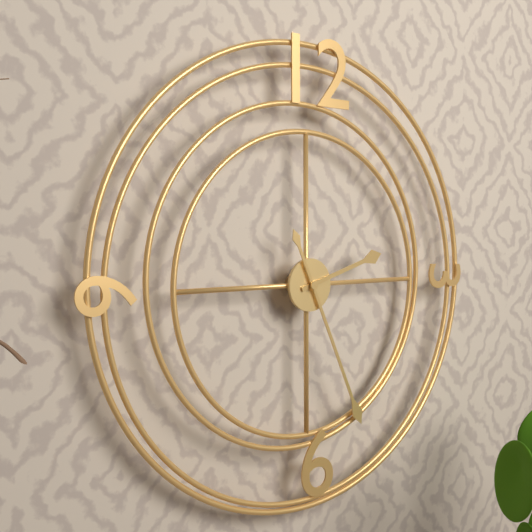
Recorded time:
{"hour": 2, "minute": 26}
